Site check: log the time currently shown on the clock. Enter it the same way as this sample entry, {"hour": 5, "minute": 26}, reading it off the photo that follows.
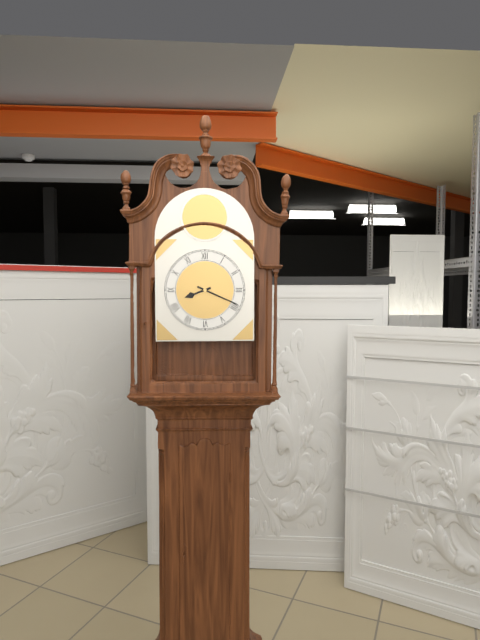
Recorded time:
{"hour": 8, "minute": 19}
